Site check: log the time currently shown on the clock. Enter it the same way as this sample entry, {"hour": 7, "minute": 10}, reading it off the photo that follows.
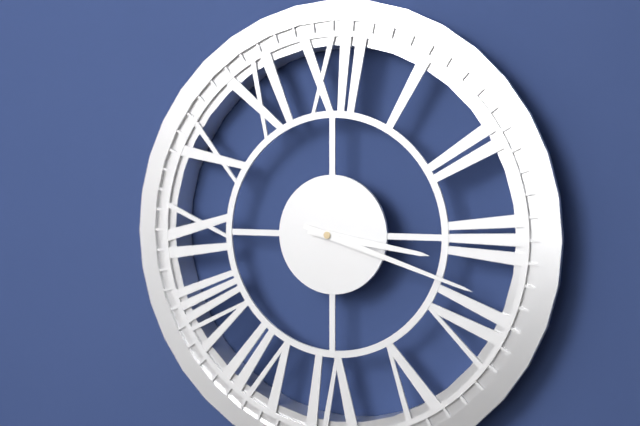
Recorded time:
{"hour": 3, "minute": 18}
